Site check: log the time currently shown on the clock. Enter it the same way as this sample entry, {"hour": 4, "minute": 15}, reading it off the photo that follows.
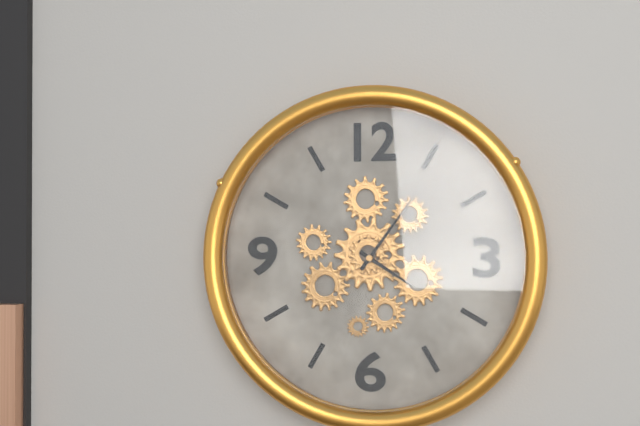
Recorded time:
{"hour": 4, "minute": 6}
